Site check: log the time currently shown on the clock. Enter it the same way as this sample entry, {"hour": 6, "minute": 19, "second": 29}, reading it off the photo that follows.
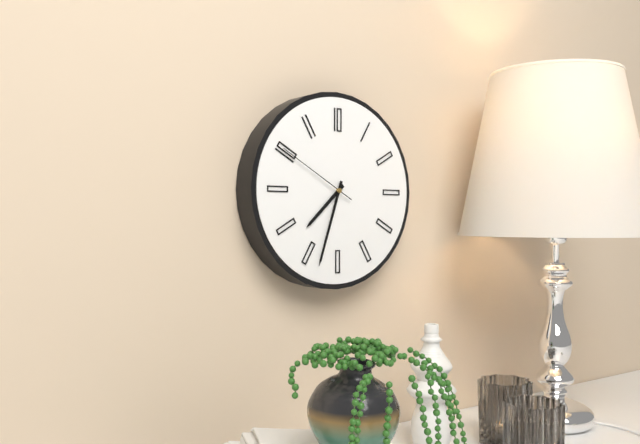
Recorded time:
{"hour": 7, "minute": 33, "second": 50}
